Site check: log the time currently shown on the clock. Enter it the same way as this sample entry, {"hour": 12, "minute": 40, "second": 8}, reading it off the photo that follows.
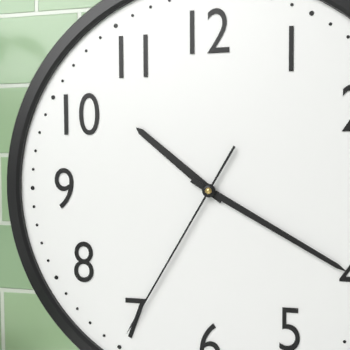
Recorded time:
{"hour": 10, "minute": 20, "second": 35}
